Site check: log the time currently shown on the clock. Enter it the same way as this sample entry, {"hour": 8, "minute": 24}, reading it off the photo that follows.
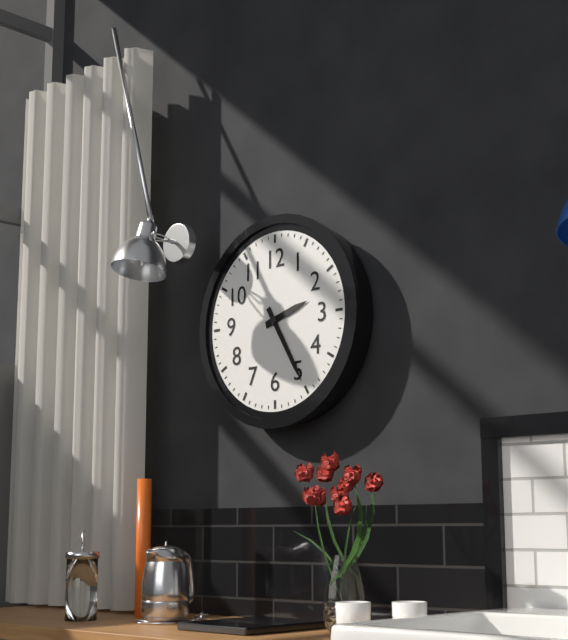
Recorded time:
{"hour": 2, "minute": 25}
